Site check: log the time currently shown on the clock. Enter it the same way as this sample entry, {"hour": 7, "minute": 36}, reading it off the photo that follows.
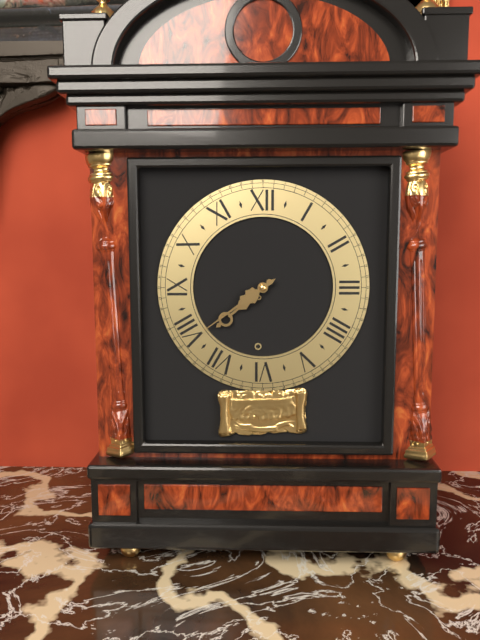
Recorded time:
{"hour": 7, "minute": 39}
